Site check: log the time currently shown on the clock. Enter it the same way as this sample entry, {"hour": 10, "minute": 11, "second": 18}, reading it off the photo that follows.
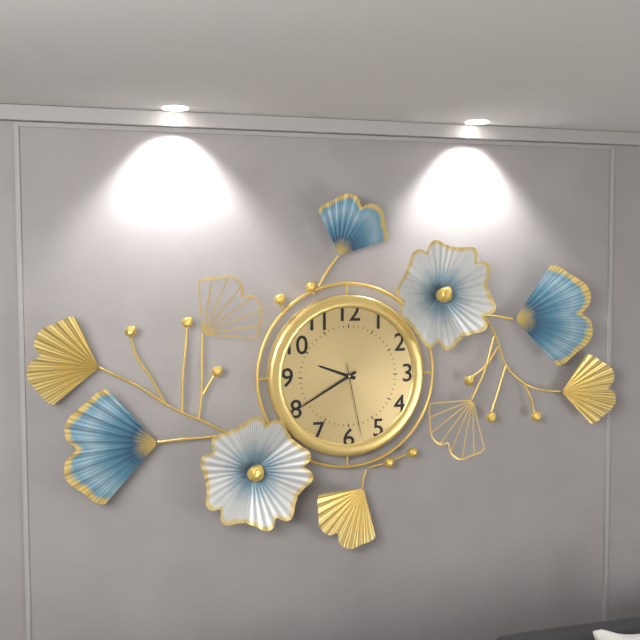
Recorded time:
{"hour": 9, "minute": 40, "second": 28}
